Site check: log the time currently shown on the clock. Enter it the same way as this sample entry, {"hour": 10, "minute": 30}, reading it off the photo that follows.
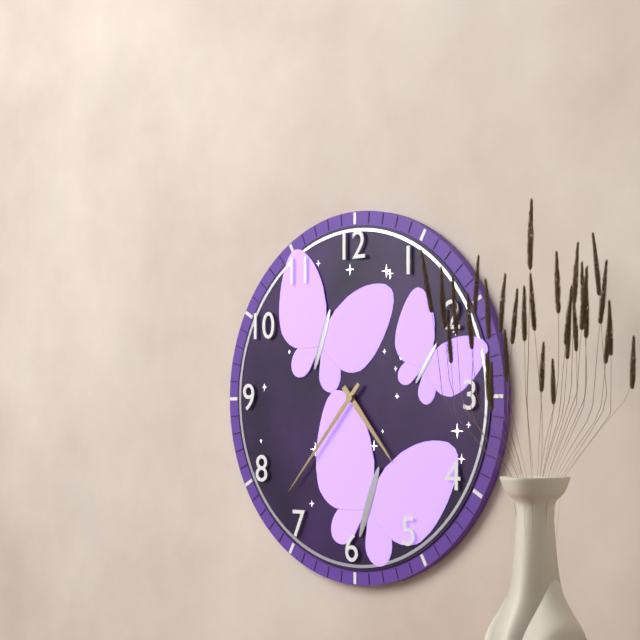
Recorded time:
{"hour": 4, "minute": 37}
